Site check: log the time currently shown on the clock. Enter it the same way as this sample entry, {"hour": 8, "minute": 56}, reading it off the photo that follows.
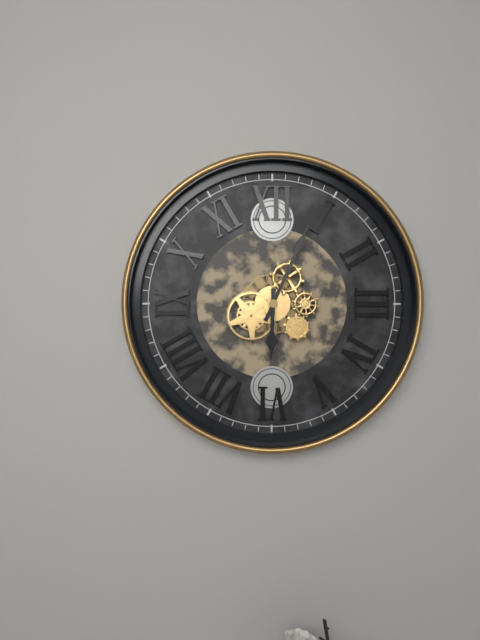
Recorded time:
{"hour": 6, "minute": 4}
